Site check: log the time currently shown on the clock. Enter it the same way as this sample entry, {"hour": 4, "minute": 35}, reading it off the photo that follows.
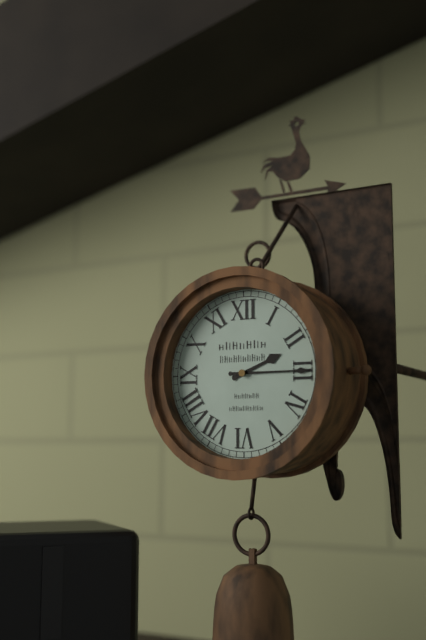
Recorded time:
{"hour": 2, "minute": 15}
